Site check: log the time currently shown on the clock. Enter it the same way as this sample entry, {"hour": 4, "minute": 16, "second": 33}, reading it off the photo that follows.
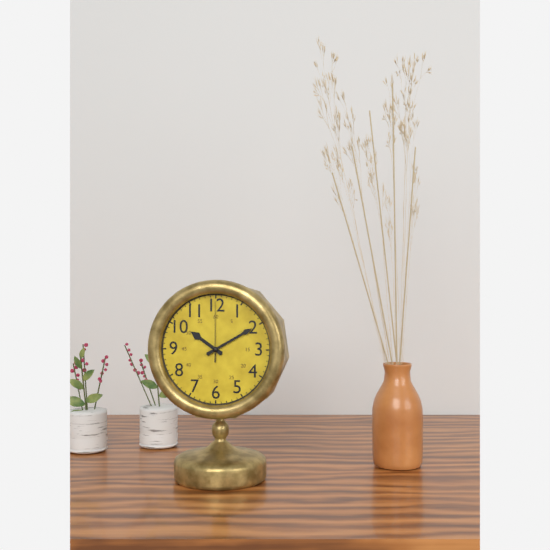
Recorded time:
{"hour": 10, "minute": 10, "second": 0}
